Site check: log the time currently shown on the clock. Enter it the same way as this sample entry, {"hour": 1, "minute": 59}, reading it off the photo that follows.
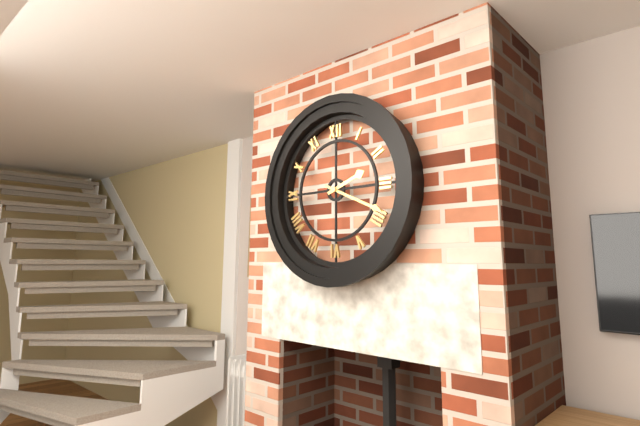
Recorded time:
{"hour": 2, "minute": 19}
